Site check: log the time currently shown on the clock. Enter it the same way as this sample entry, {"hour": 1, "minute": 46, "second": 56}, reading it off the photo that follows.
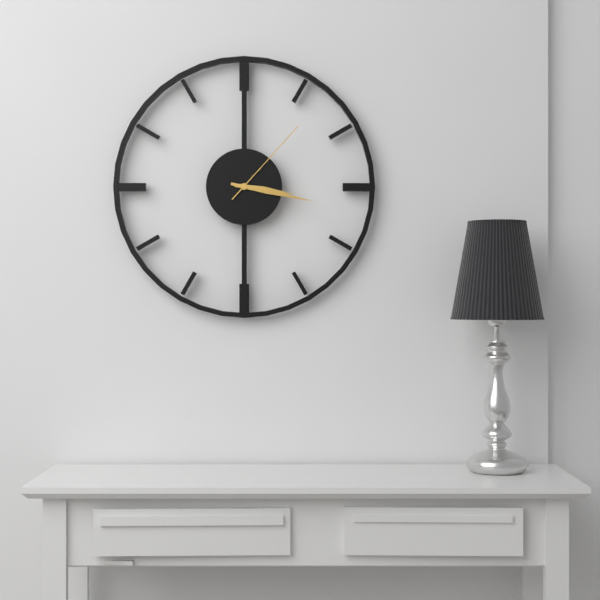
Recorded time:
{"hour": 3, "minute": 17, "second": 7}
